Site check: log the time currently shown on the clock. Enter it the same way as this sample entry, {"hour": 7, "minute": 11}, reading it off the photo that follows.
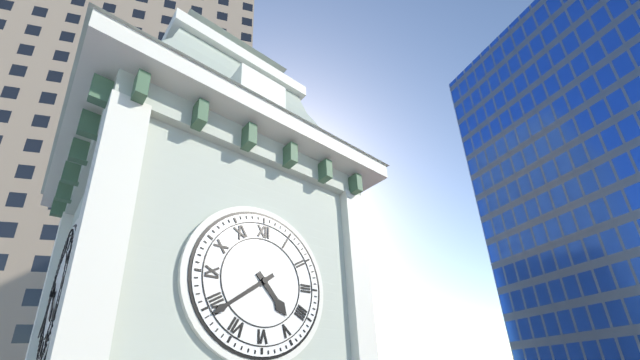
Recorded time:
{"hour": 4, "minute": 39}
